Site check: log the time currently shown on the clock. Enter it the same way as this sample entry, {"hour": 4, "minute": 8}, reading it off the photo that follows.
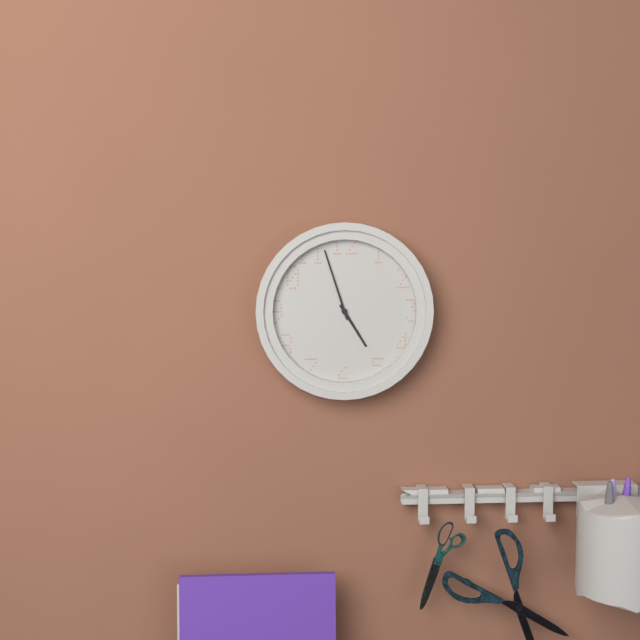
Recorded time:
{"hour": 4, "minute": 57}
